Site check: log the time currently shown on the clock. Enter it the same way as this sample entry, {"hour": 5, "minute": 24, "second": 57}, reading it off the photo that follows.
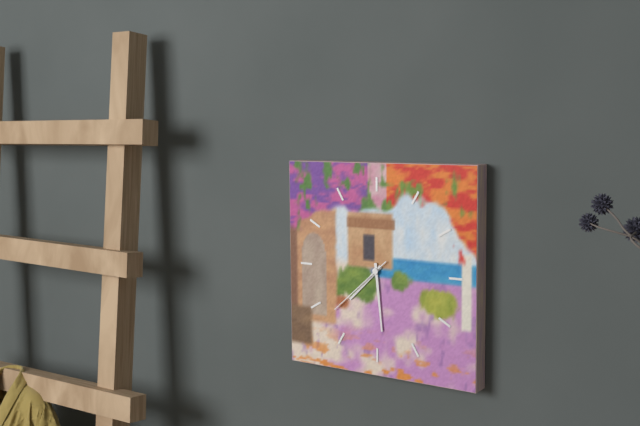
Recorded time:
{"hour": 7, "minute": 29, "second": 38}
